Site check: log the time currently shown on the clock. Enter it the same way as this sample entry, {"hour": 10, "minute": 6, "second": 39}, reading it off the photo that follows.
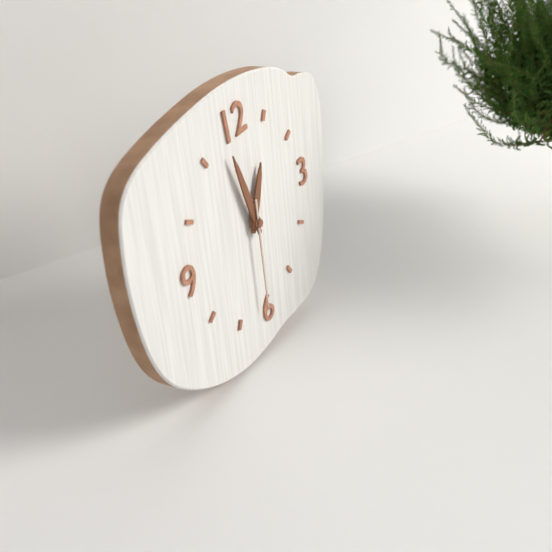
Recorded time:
{"hour": 12, "minute": 58, "second": 31}
